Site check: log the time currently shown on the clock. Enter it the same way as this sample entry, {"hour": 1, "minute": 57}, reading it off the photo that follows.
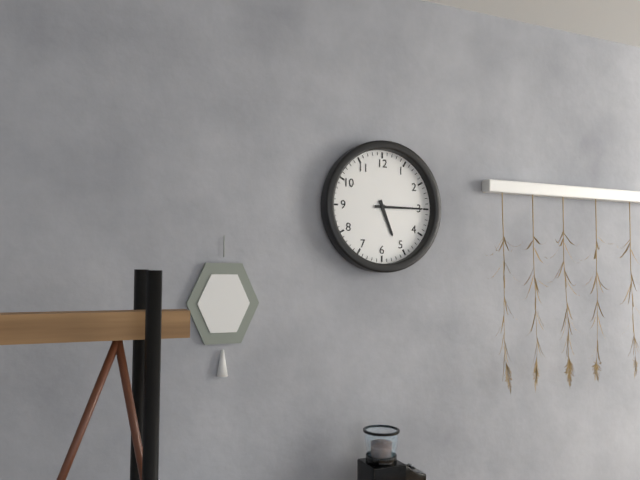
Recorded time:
{"hour": 5, "minute": 15}
